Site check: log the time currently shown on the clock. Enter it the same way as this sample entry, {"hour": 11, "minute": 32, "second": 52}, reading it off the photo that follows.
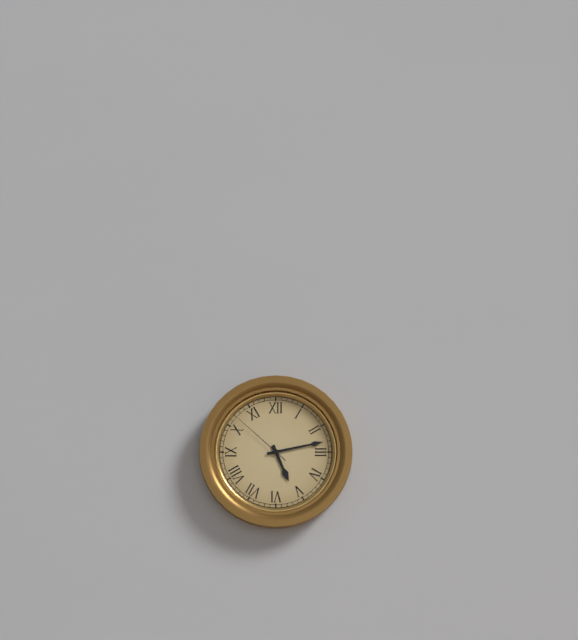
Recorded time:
{"hour": 5, "minute": 13, "second": 52}
